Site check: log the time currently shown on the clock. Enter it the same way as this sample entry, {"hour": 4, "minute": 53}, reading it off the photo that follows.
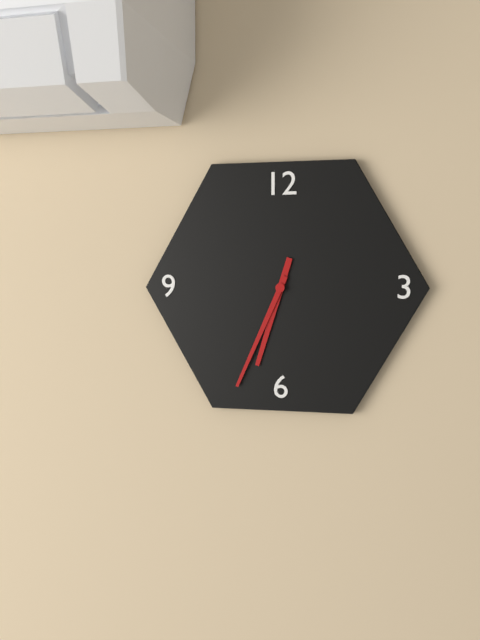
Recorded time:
{"hour": 6, "minute": 34}
